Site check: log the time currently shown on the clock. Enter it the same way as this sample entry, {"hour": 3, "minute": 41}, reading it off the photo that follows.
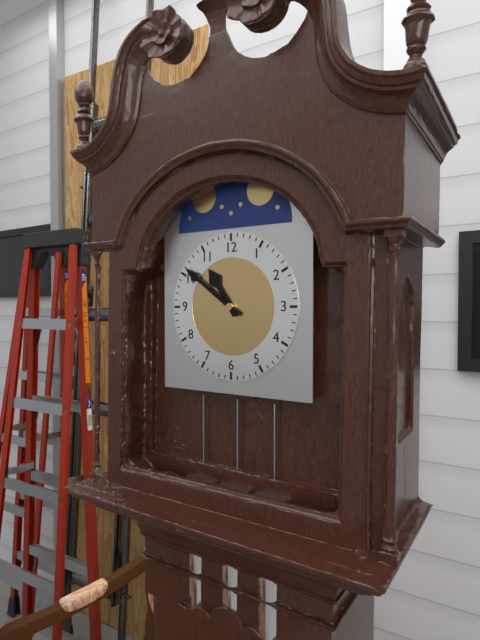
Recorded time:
{"hour": 10, "minute": 51}
